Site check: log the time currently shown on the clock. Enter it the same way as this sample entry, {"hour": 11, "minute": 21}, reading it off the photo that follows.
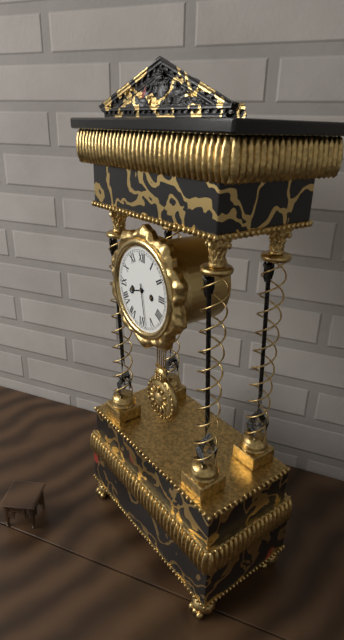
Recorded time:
{"hour": 8, "minute": 28}
